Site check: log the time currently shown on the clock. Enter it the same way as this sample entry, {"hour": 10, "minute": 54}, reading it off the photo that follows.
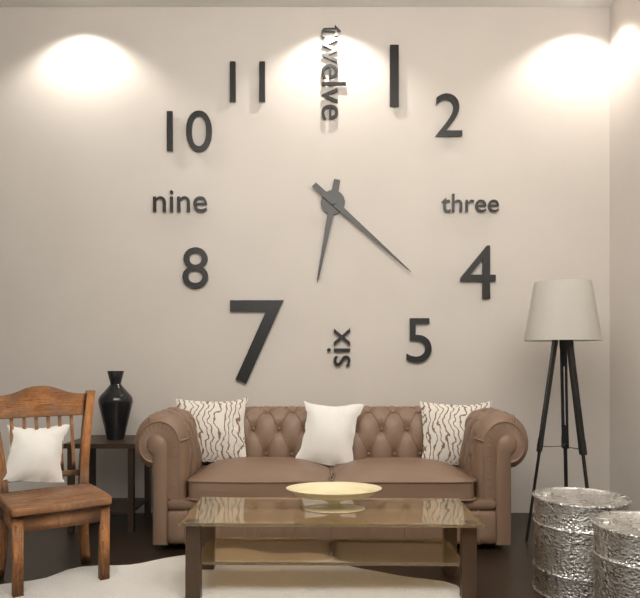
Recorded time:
{"hour": 6, "minute": 22}
